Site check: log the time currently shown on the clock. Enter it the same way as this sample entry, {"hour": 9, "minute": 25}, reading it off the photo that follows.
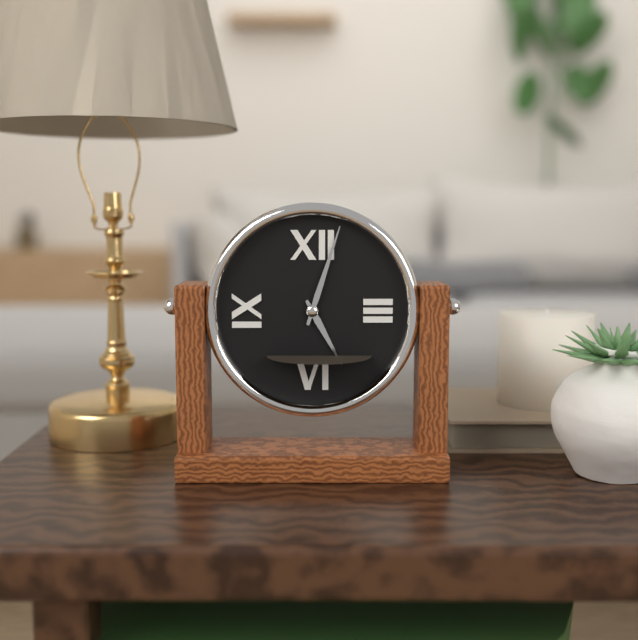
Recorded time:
{"hour": 5, "minute": 3}
